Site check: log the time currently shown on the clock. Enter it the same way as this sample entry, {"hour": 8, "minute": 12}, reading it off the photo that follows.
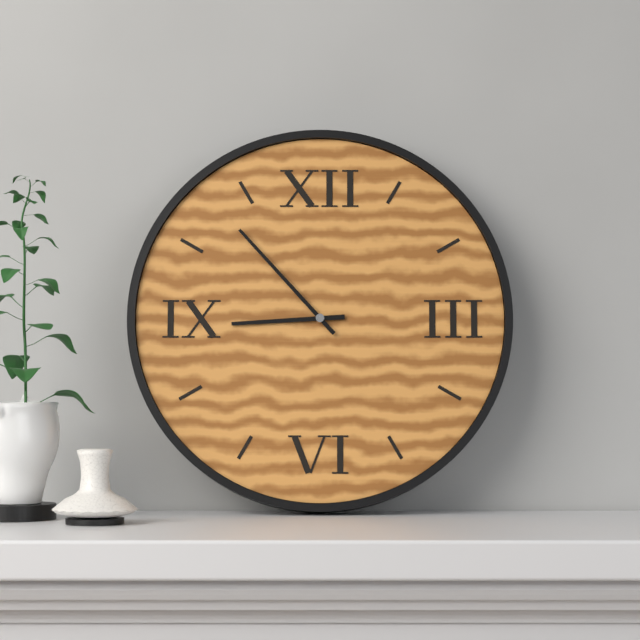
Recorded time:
{"hour": 8, "minute": 53}
